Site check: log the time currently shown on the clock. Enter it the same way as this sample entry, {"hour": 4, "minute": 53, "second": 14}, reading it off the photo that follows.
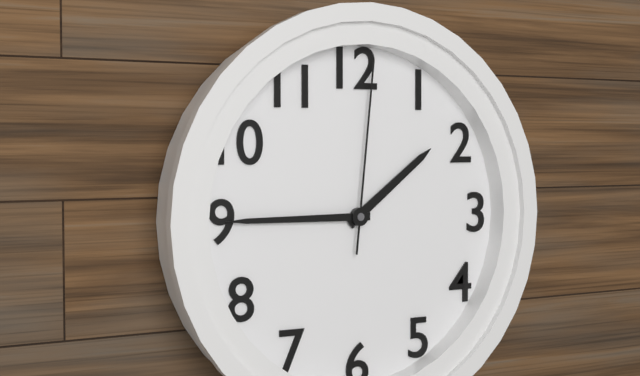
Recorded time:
{"hour": 1, "minute": 45, "second": 1}
